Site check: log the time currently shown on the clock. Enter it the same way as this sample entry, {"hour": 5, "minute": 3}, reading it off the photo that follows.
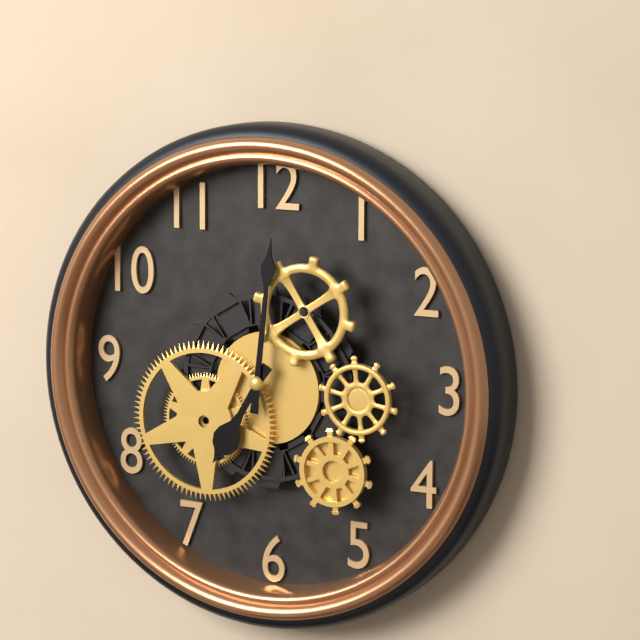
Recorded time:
{"hour": 7, "minute": 1}
